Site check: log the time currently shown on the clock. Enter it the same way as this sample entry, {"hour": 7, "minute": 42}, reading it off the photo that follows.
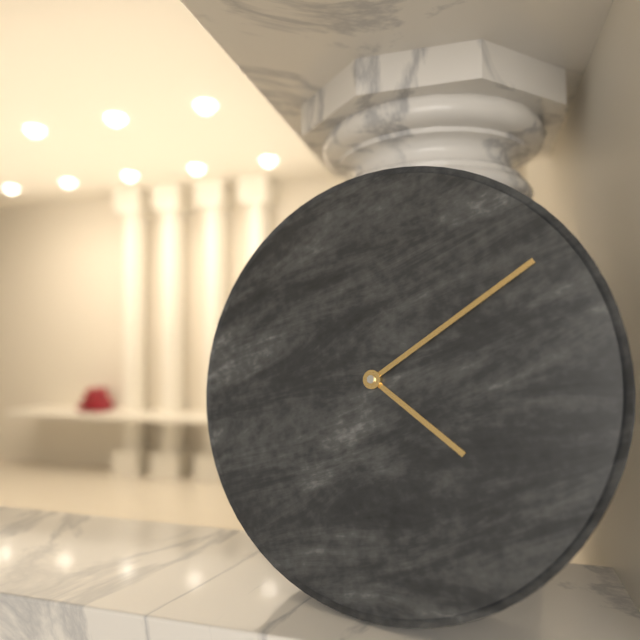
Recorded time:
{"hour": 4, "minute": 9}
